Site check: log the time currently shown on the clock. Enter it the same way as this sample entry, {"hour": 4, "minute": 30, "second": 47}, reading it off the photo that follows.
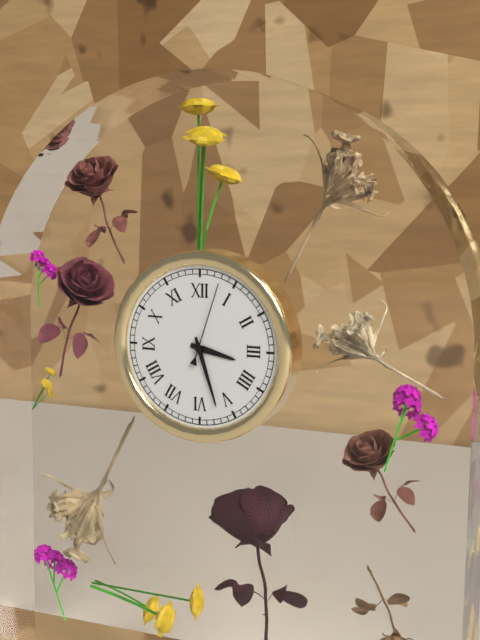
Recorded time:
{"hour": 3, "minute": 27, "second": 3}
